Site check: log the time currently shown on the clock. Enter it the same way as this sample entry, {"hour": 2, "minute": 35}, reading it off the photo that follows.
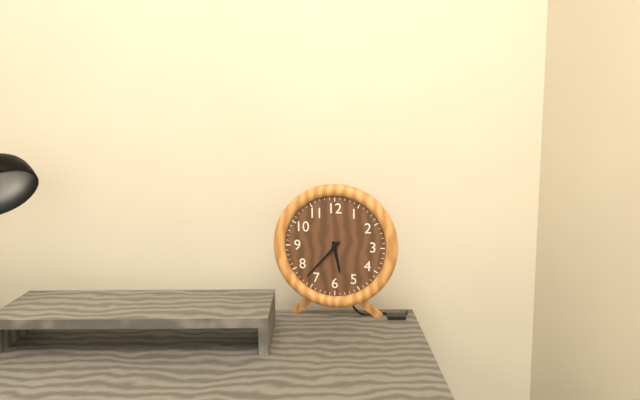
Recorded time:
{"hour": 5, "minute": 37}
